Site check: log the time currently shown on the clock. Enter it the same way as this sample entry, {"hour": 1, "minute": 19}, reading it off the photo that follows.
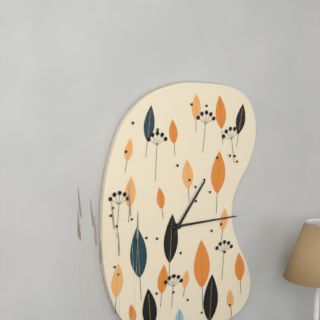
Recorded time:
{"hour": 1, "minute": 15}
